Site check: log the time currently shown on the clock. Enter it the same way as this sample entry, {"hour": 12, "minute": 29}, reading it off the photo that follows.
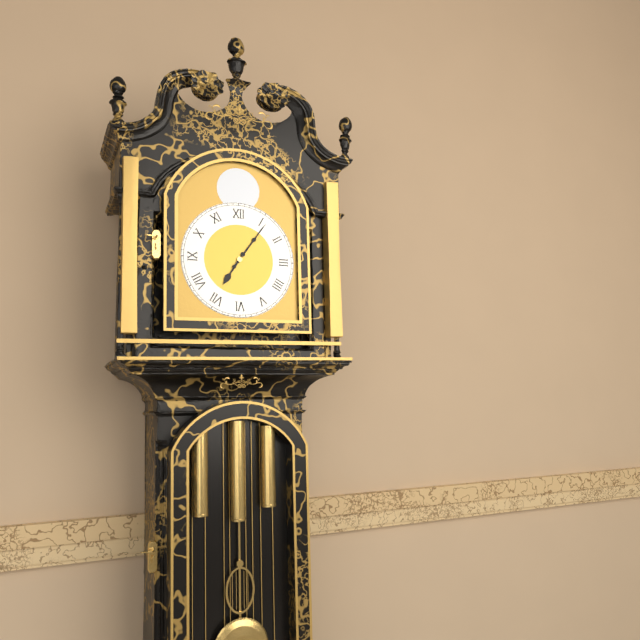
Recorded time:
{"hour": 7, "minute": 6}
